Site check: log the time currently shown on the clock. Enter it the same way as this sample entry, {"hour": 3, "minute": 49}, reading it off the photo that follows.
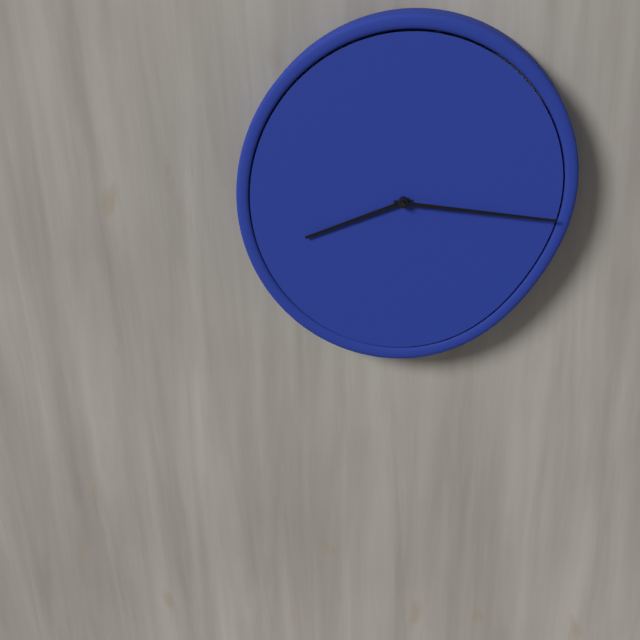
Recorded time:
{"hour": 8, "minute": 16}
